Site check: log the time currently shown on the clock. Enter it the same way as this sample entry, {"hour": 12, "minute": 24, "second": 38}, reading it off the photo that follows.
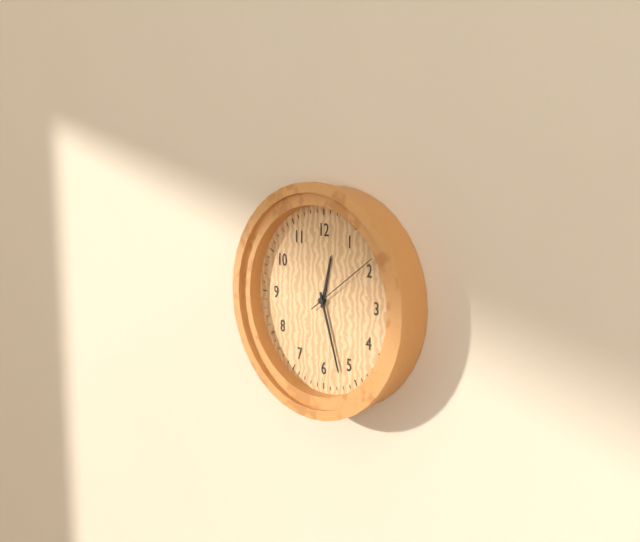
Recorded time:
{"hour": 12, "minute": 27, "second": 9}
